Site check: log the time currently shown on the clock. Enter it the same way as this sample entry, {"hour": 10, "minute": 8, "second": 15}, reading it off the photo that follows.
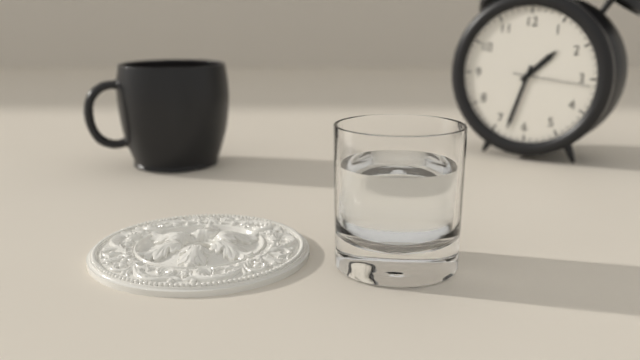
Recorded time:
{"hour": 1, "minute": 33, "second": 16}
